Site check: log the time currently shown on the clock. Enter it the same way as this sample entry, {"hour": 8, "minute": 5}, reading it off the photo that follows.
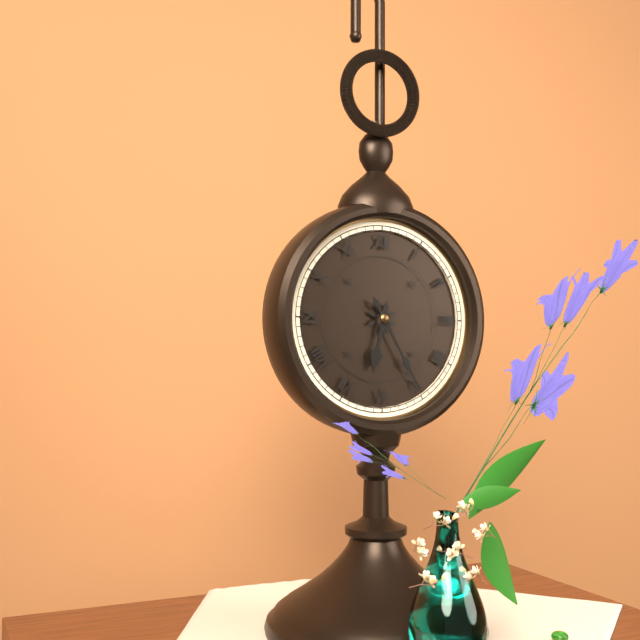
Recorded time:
{"hour": 6, "minute": 25}
